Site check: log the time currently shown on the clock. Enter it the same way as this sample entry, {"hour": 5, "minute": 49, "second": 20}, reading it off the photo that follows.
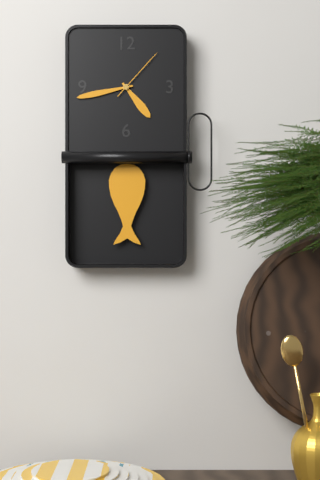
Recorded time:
{"hour": 4, "minute": 43, "second": 7}
